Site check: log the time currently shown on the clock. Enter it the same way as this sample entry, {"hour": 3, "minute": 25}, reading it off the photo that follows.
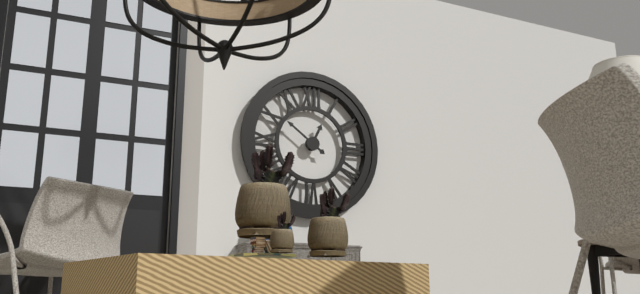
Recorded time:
{"hour": 12, "minute": 51}
